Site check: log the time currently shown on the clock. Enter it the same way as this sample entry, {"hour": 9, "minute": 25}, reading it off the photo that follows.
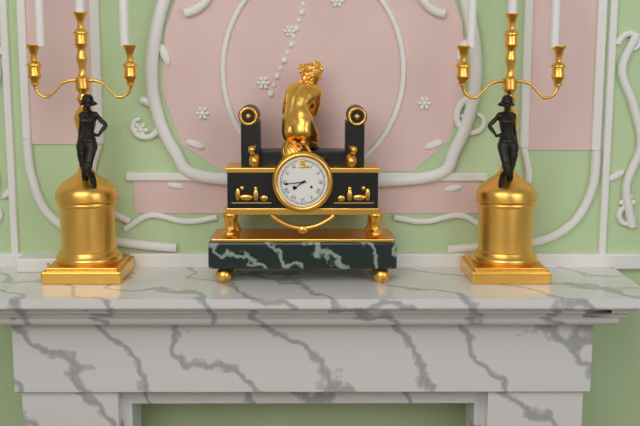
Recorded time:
{"hour": 7, "minute": 44}
